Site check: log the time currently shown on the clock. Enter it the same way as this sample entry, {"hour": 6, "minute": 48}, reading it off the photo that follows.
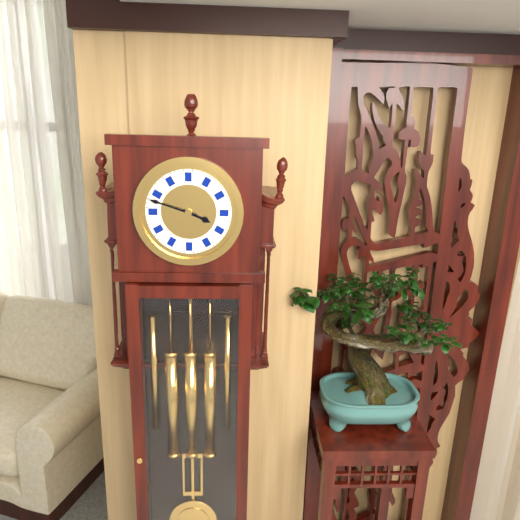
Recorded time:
{"hour": 3, "minute": 48}
